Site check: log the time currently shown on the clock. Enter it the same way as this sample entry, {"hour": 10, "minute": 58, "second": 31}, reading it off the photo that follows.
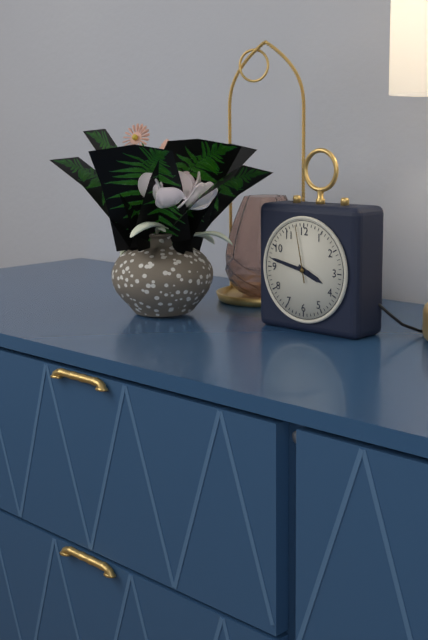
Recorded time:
{"hour": 3, "minute": 47, "second": 58}
